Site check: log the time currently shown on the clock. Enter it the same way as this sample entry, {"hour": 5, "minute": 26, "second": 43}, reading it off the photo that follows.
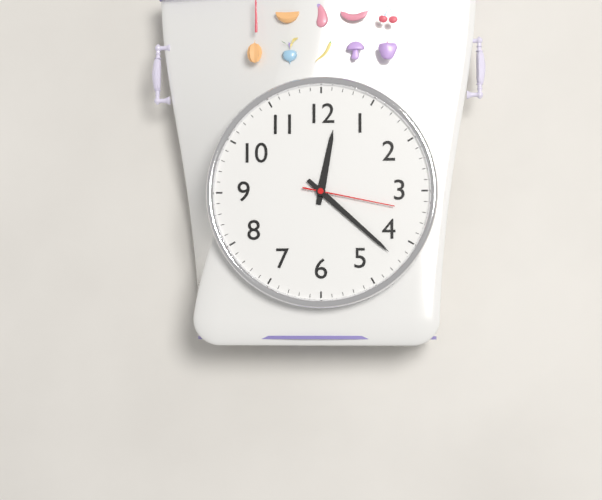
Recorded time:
{"hour": 12, "minute": 22, "second": 17}
